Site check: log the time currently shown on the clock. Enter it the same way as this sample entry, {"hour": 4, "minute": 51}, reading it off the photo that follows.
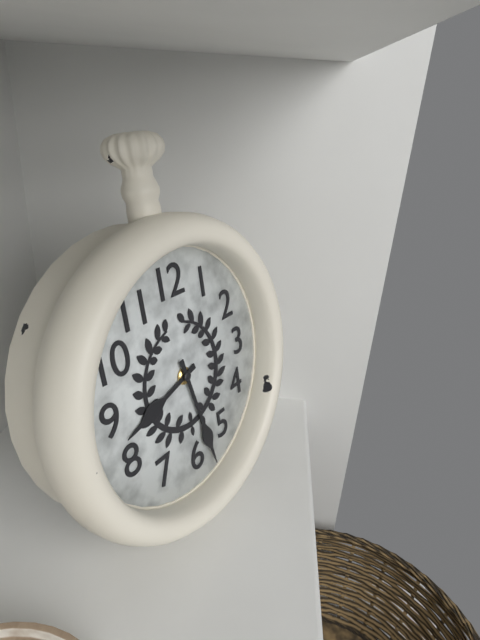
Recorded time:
{"hour": 8, "minute": 28}
